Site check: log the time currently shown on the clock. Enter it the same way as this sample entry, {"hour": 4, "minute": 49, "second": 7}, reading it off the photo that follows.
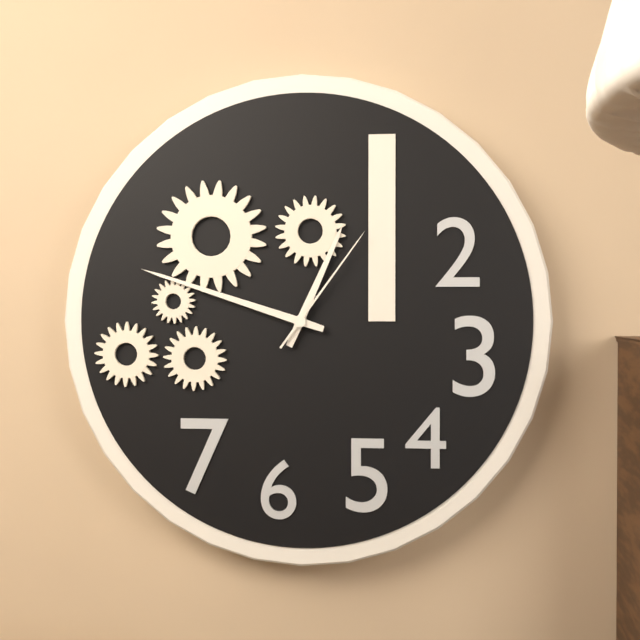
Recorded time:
{"hour": 12, "minute": 48, "second": 6}
